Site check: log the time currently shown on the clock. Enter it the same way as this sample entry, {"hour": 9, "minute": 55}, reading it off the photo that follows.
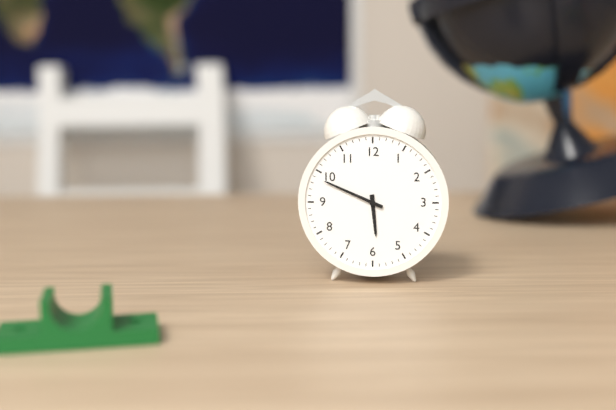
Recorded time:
{"hour": 5, "minute": 49}
